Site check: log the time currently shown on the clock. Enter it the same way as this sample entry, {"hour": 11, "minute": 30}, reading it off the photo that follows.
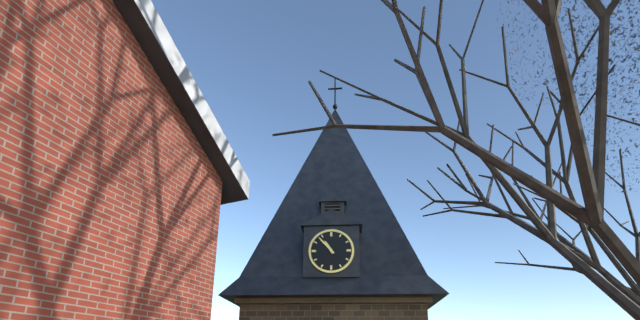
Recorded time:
{"hour": 10, "minute": 53}
